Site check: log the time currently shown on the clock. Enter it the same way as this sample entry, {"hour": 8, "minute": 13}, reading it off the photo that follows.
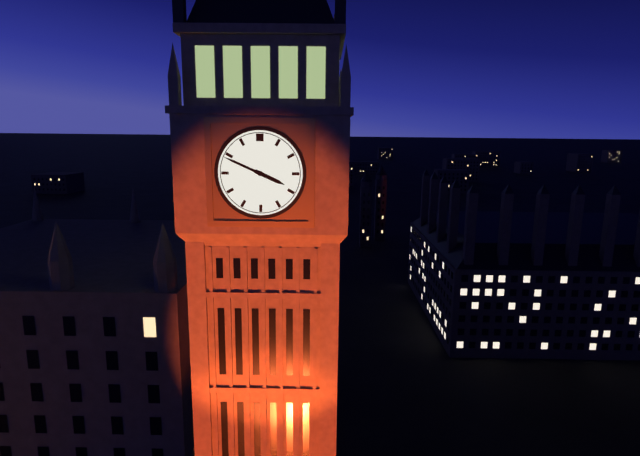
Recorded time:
{"hour": 3, "minute": 49}
